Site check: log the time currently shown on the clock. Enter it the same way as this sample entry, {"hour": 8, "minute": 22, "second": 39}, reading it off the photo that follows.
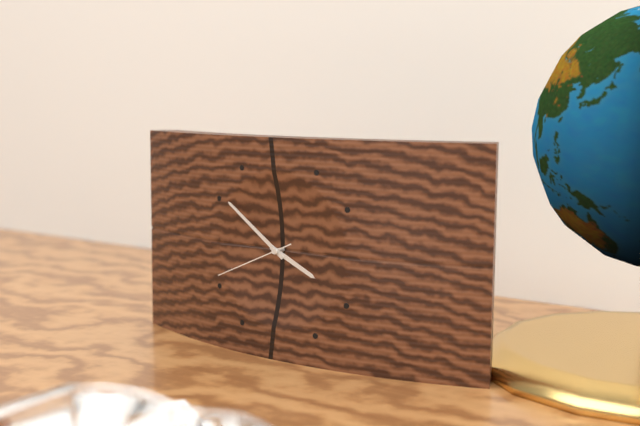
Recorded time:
{"hour": 3, "minute": 51, "second": 41}
